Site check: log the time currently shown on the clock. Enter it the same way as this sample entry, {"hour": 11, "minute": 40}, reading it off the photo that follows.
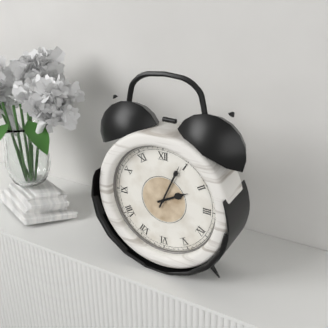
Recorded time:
{"hour": 2, "minute": 4}
